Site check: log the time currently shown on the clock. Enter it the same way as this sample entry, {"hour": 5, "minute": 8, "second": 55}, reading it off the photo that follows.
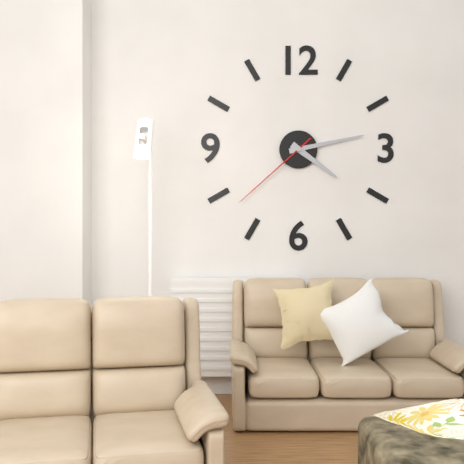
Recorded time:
{"hour": 4, "minute": 13, "second": 38}
